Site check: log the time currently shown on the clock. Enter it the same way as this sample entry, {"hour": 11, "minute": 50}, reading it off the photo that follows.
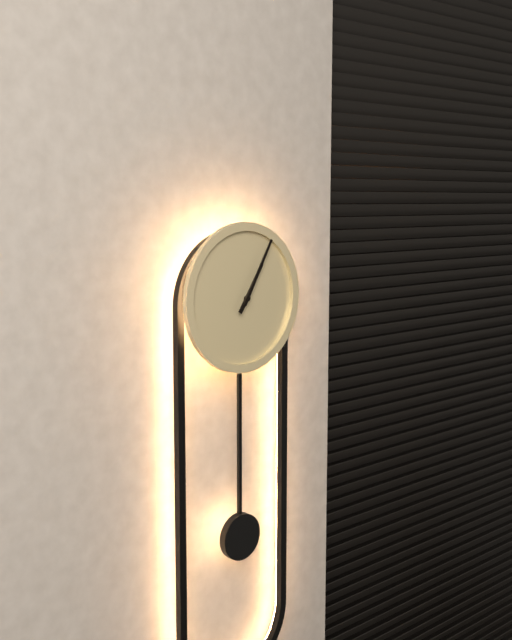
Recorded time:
{"hour": 1, "minute": 5}
